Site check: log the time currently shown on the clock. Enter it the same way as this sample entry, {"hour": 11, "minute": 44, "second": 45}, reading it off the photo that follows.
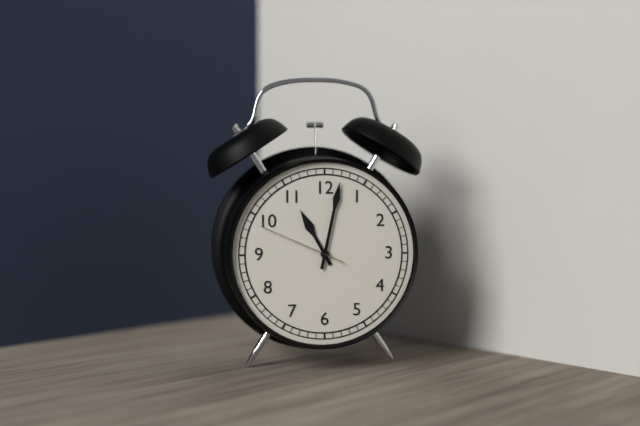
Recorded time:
{"hour": 11, "minute": 2, "second": 49}
